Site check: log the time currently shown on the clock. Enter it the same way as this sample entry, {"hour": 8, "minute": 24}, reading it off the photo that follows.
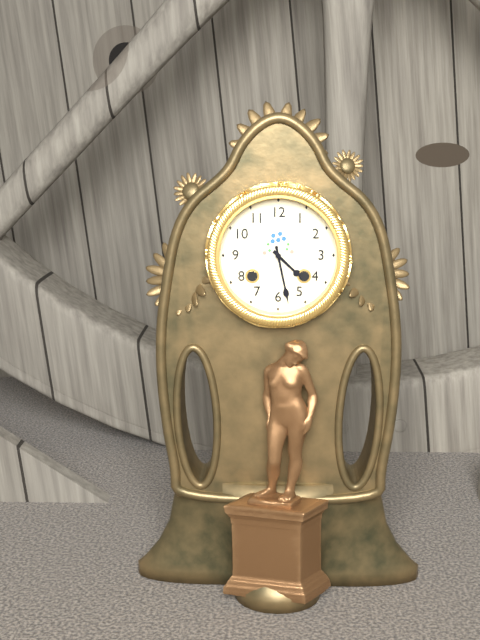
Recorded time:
{"hour": 4, "minute": 28}
